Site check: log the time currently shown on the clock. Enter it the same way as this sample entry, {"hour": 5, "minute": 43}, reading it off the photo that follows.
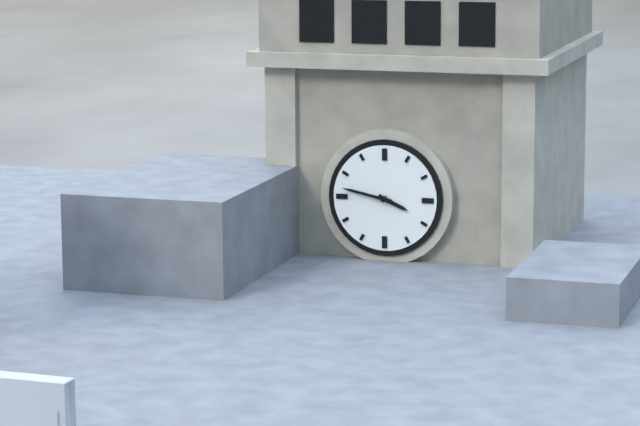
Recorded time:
{"hour": 3, "minute": 47}
